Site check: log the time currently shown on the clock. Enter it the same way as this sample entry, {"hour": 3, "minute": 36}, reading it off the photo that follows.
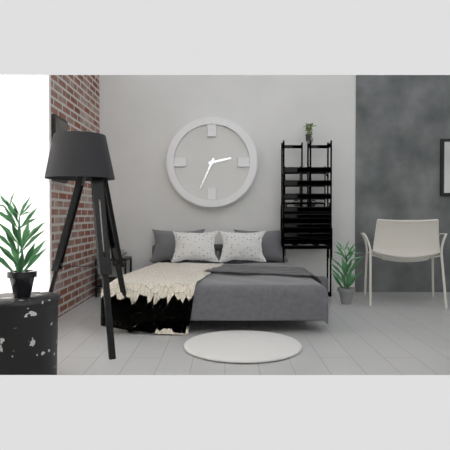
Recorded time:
{"hour": 2, "minute": 34}
